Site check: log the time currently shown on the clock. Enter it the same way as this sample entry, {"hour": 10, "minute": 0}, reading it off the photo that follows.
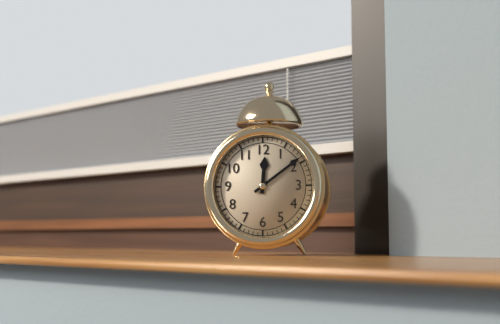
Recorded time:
{"hour": 12, "minute": 9}
